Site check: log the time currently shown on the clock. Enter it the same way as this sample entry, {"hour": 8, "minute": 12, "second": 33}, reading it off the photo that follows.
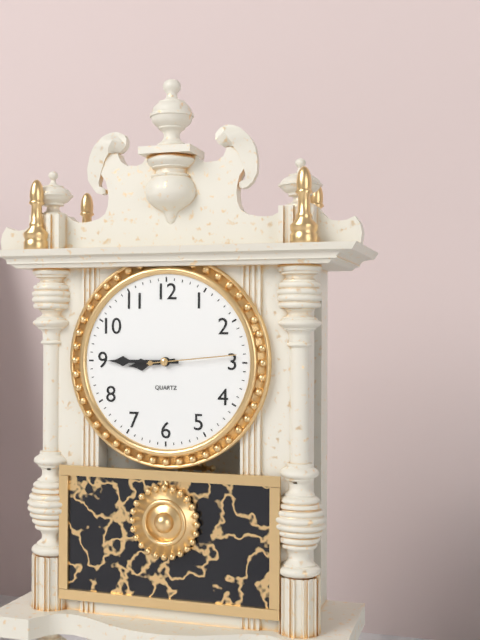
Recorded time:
{"hour": 8, "minute": 45, "second": 14}
